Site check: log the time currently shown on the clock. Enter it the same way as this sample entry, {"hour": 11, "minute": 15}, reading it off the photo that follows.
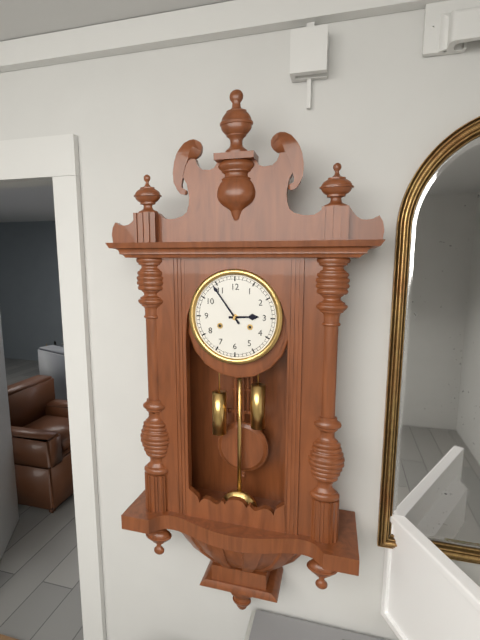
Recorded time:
{"hour": 2, "minute": 54}
